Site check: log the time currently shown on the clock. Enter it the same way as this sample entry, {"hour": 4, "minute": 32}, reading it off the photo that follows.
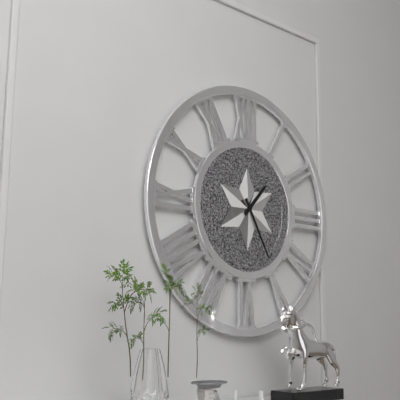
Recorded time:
{"hour": 1, "minute": 25}
